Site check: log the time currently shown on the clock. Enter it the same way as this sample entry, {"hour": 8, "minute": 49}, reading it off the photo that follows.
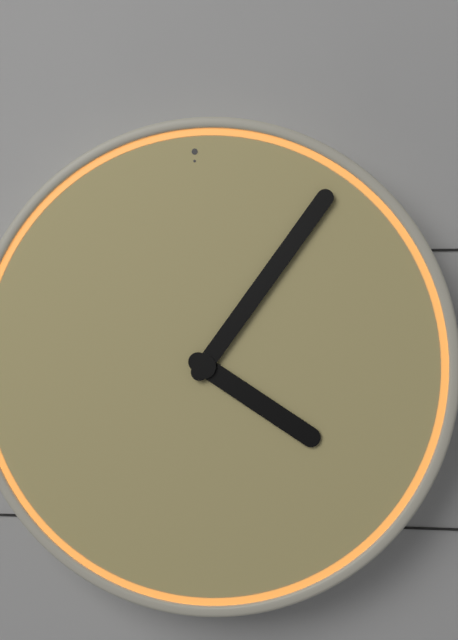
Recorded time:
{"hour": 4, "minute": 6}
